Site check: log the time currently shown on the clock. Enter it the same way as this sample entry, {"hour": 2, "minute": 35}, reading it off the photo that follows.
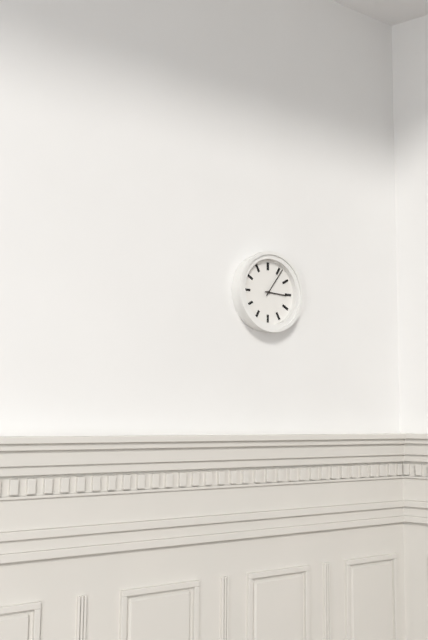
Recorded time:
{"hour": 3, "minute": 6}
